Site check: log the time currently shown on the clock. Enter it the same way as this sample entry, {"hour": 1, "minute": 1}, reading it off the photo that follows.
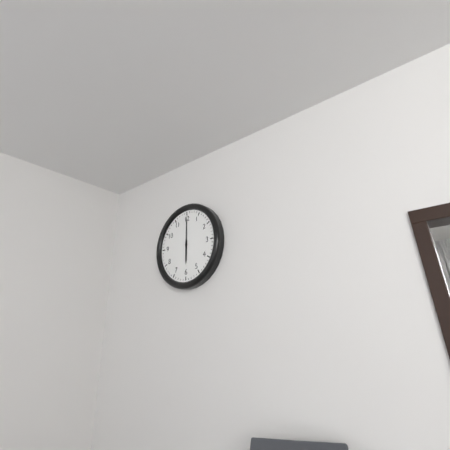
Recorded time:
{"hour": 6, "minute": 0}
